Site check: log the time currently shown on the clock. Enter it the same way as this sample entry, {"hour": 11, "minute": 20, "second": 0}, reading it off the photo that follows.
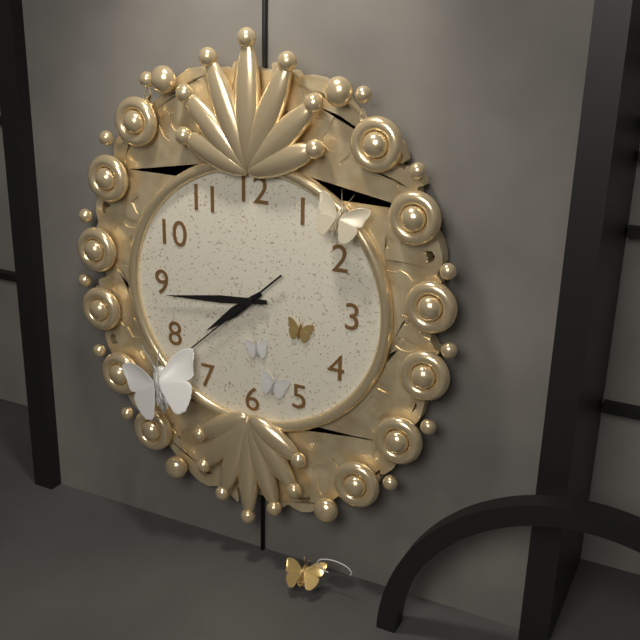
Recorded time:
{"hour": 7, "minute": 44, "second": 38}
